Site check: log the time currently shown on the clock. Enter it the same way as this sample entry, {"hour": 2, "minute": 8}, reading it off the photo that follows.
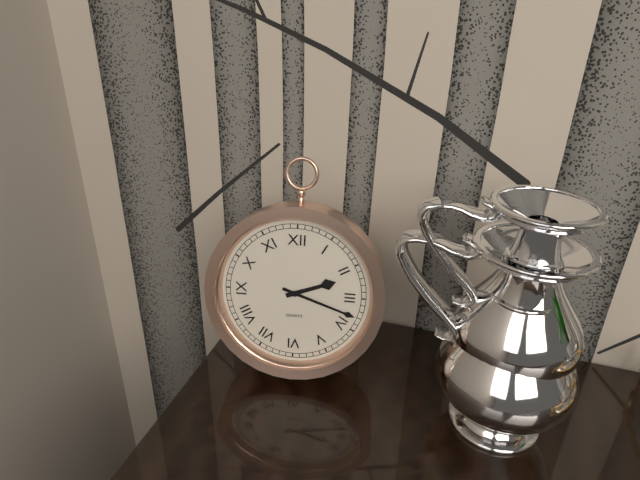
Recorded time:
{"hour": 2, "minute": 18}
